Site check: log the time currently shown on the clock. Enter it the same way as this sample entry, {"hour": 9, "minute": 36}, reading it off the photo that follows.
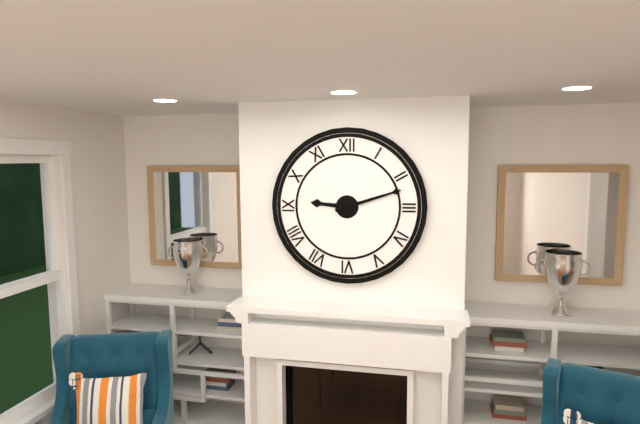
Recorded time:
{"hour": 9, "minute": 12}
